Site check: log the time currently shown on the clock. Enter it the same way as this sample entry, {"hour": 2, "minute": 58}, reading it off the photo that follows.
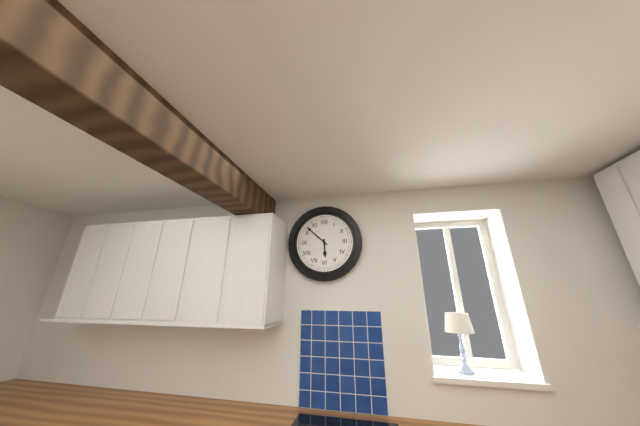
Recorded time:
{"hour": 5, "minute": 52}
